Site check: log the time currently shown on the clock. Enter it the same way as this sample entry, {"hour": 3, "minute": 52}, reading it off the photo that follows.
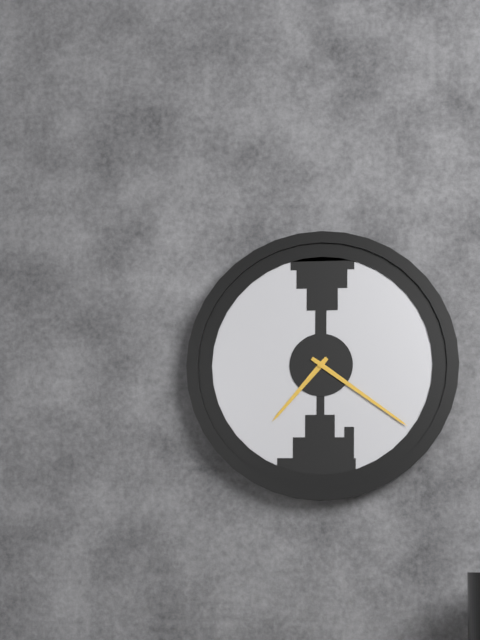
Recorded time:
{"hour": 7, "minute": 21}
